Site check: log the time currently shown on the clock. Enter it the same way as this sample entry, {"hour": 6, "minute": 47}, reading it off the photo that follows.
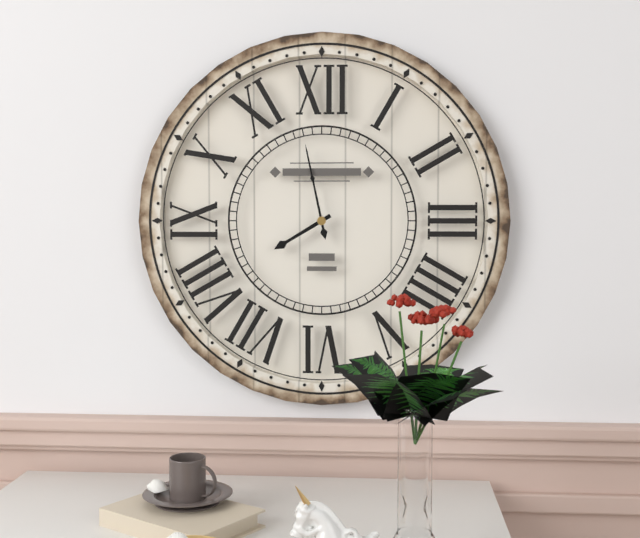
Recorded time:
{"hour": 7, "minute": 58}
